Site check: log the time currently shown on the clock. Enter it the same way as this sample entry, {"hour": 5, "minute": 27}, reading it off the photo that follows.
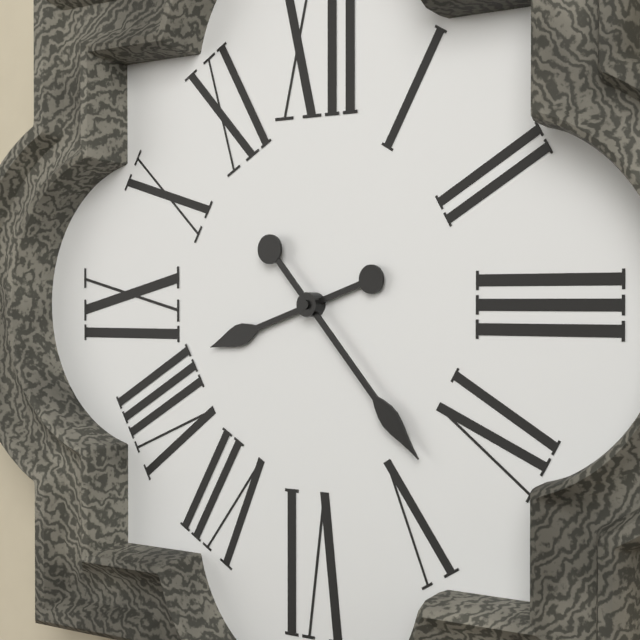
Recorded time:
{"hour": 8, "minute": 23}
